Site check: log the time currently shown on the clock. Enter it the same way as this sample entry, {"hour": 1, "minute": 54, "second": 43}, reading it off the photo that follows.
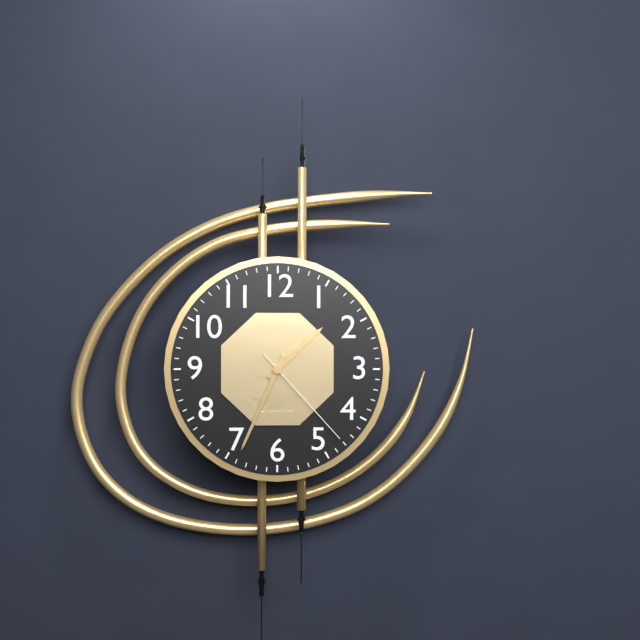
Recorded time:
{"hour": 1, "minute": 34, "second": 23}
